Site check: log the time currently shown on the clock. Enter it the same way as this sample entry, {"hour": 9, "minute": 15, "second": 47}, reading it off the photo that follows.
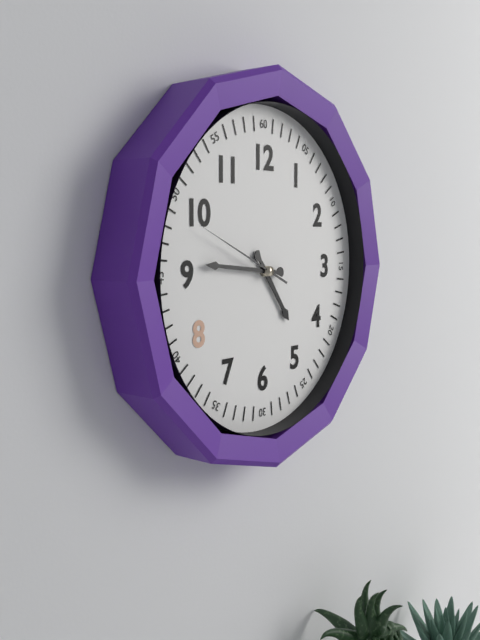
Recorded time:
{"hour": 4, "minute": 46, "second": 49}
